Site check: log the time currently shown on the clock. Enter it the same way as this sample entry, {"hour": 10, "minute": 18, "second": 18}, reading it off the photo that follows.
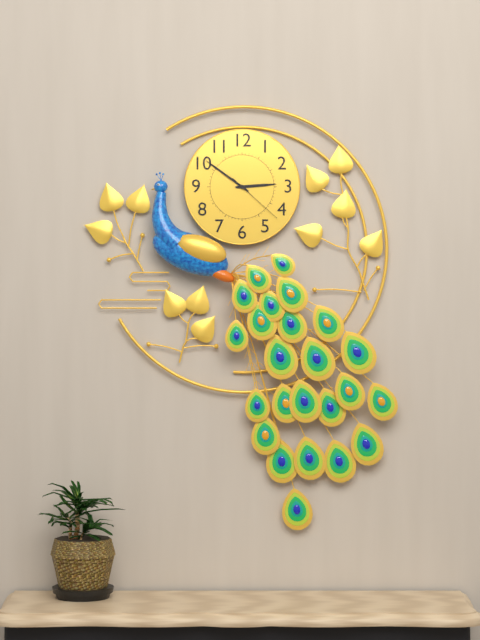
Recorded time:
{"hour": 2, "minute": 51, "second": 22}
